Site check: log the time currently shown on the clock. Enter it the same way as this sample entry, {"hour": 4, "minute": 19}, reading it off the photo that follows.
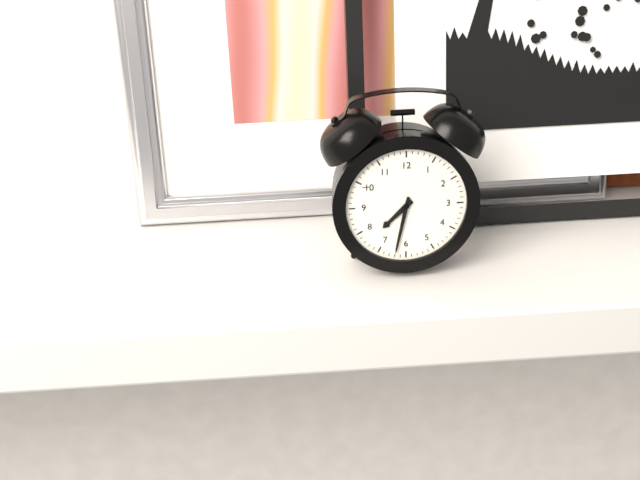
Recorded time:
{"hour": 7, "minute": 32}
